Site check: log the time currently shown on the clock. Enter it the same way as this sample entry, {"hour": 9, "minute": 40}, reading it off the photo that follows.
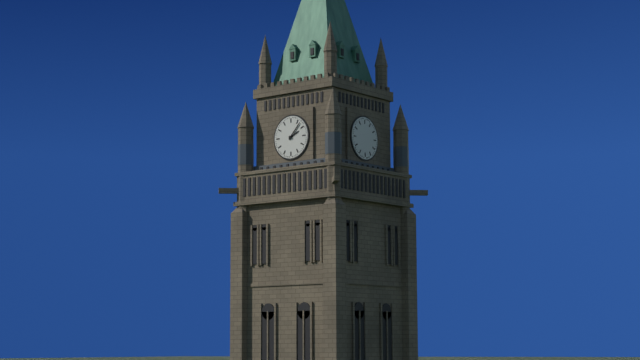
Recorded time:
{"hour": 2, "minute": 7}
